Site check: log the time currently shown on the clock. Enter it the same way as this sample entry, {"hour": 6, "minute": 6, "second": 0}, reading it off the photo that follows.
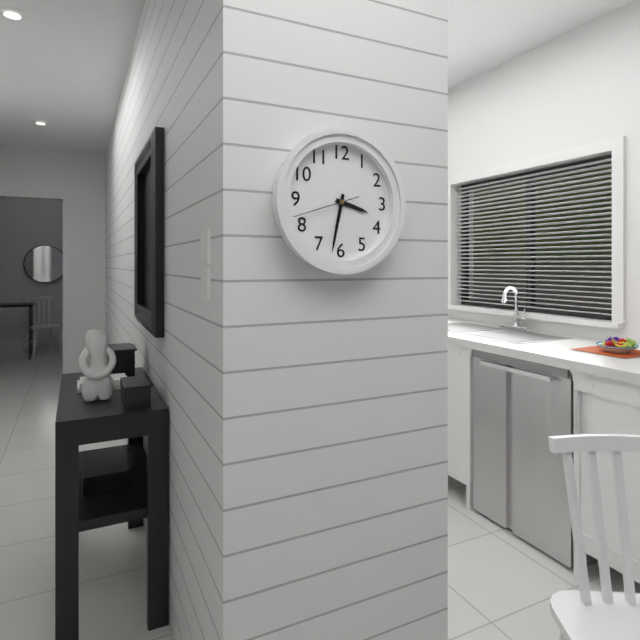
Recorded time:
{"hour": 3, "minute": 32, "second": 42}
